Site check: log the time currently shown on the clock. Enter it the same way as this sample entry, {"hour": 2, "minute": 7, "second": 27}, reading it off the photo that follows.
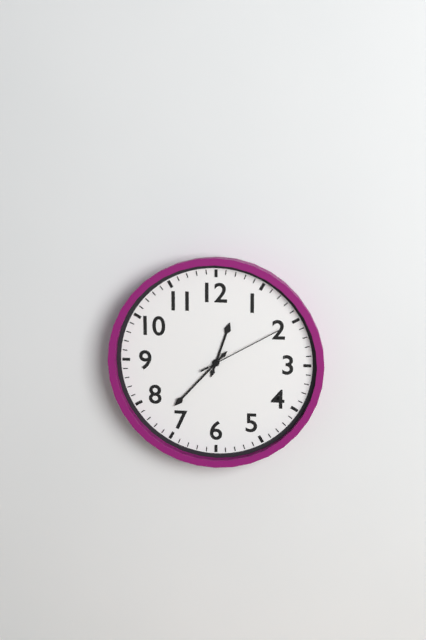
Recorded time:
{"hour": 12, "minute": 37, "second": 10}
